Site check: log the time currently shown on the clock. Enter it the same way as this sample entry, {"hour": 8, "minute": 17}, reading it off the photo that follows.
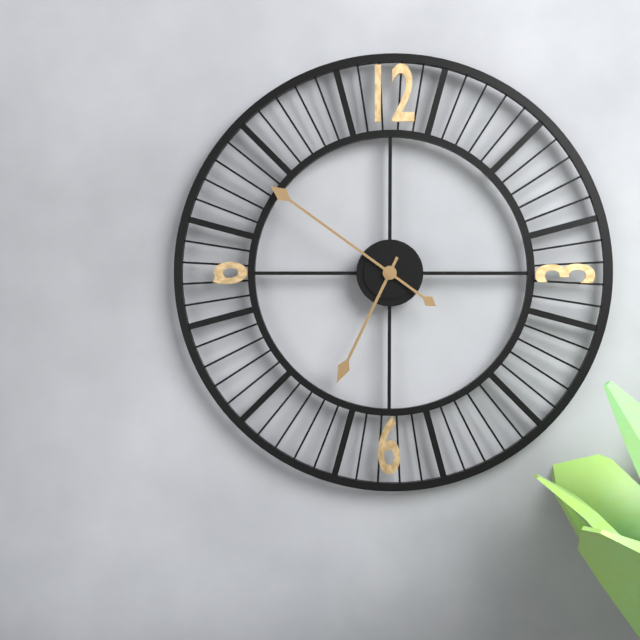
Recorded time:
{"hour": 6, "minute": 51}
